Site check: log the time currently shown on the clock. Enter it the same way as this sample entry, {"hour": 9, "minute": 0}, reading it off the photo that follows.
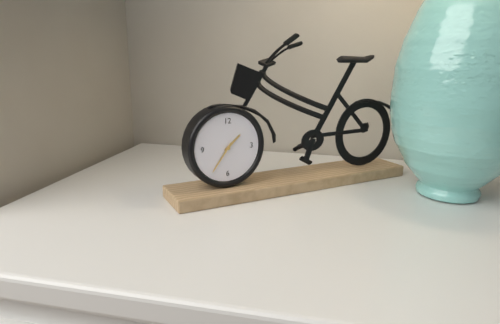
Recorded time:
{"hour": 1, "minute": 36}
